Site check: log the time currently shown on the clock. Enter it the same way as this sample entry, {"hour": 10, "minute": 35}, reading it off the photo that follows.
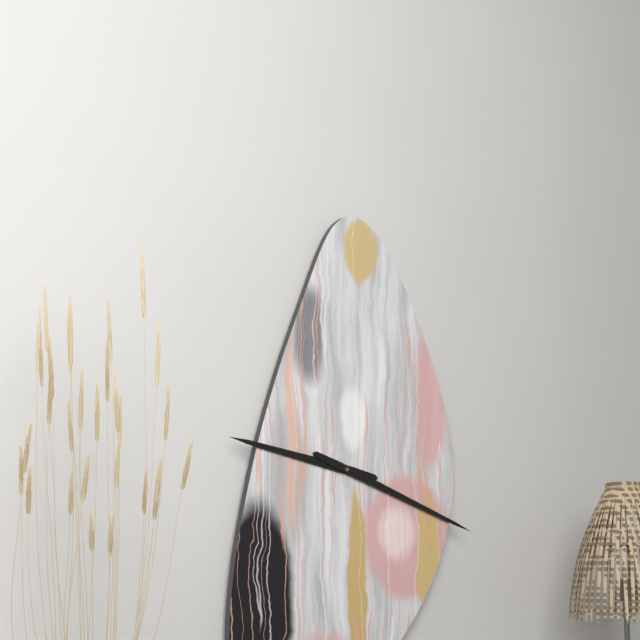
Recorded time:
{"hour": 9, "minute": 18}
